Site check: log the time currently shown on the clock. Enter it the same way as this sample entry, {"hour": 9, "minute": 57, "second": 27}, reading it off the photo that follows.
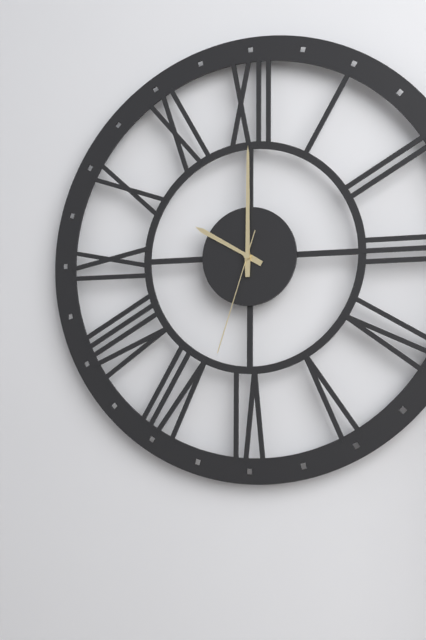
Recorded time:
{"hour": 10, "minute": 0, "second": 33}
